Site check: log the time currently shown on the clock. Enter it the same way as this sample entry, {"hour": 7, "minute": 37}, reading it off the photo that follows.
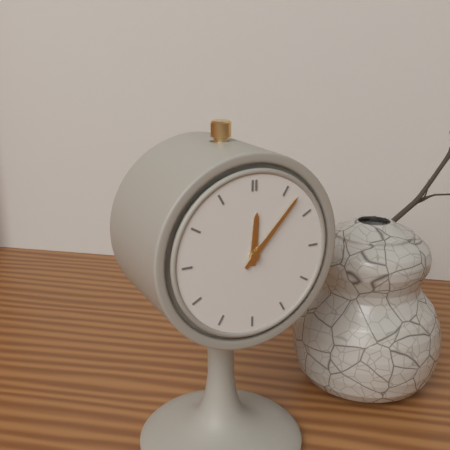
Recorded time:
{"hour": 12, "minute": 7}
